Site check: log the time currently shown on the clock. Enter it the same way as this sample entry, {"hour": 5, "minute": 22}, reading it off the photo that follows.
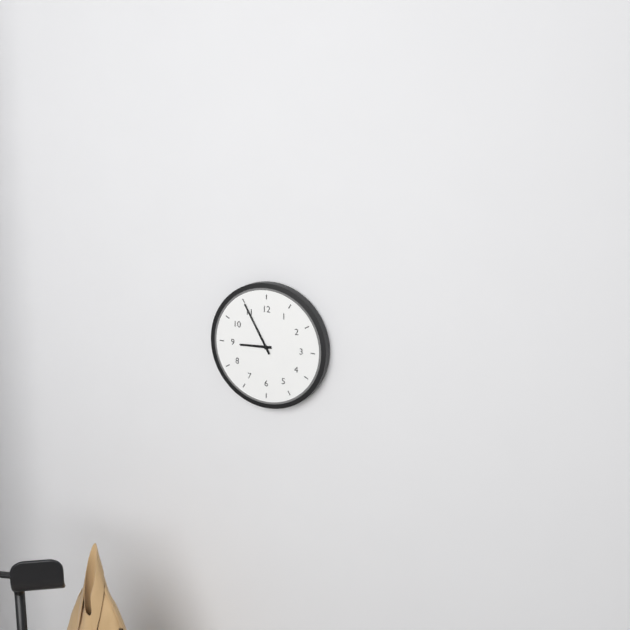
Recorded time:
{"hour": 8, "minute": 55}
